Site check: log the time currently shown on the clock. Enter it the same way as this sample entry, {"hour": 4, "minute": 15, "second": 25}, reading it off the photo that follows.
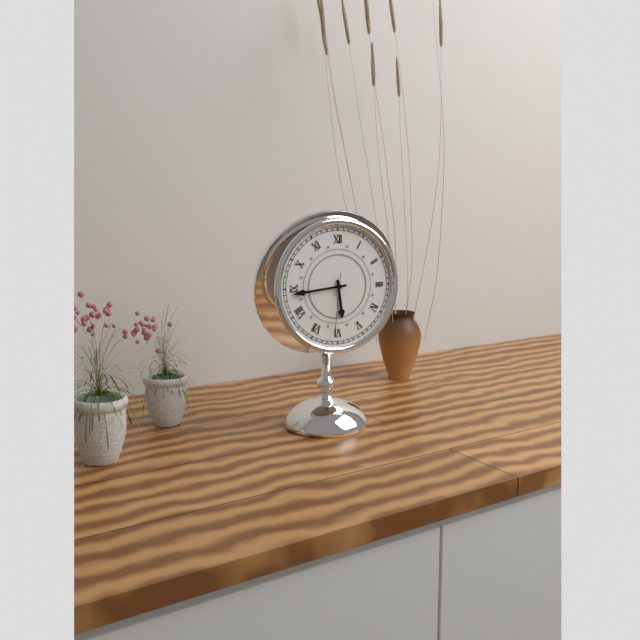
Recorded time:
{"hour": 5, "minute": 44, "second": 31}
